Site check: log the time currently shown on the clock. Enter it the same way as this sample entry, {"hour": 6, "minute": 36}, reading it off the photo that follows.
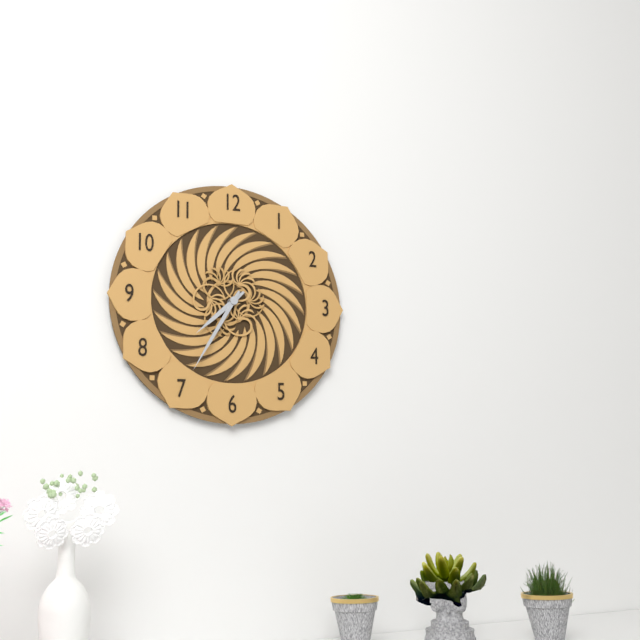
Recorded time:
{"hour": 7, "minute": 35}
